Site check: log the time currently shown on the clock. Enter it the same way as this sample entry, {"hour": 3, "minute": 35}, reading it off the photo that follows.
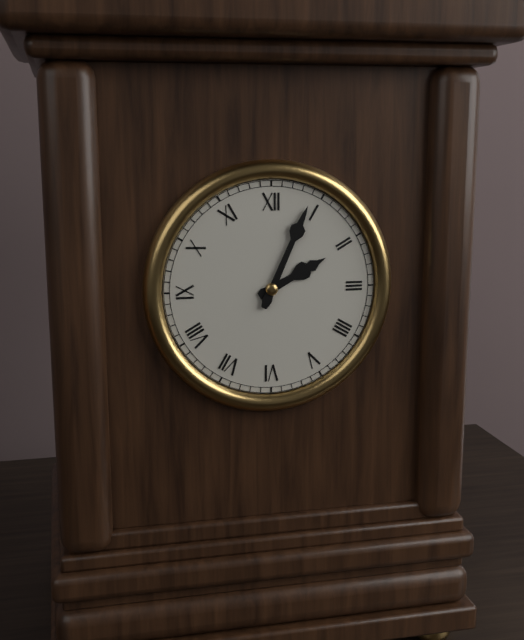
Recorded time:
{"hour": 2, "minute": 4}
